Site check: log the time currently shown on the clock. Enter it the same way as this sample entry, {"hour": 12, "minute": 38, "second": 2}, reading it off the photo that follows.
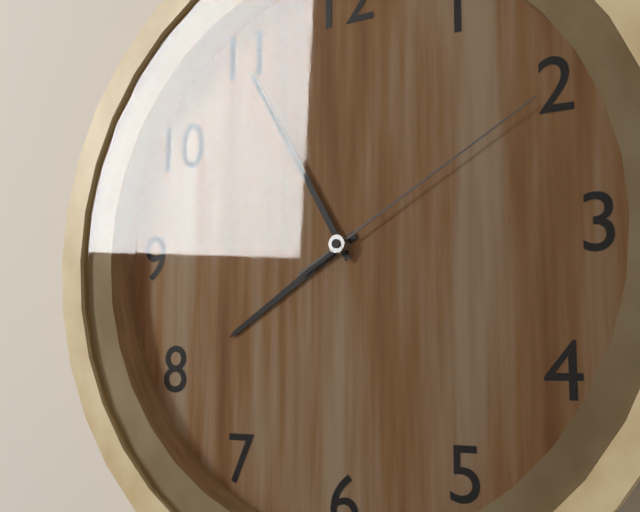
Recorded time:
{"hour": 7, "minute": 55, "second": 10}
